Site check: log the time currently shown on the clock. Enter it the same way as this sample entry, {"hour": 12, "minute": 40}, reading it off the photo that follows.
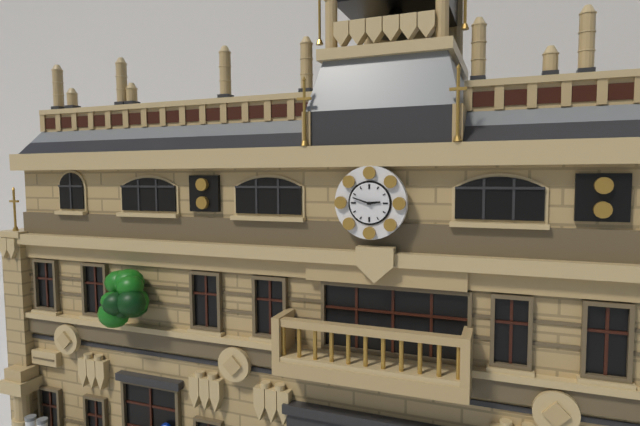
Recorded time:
{"hour": 2, "minute": 48}
